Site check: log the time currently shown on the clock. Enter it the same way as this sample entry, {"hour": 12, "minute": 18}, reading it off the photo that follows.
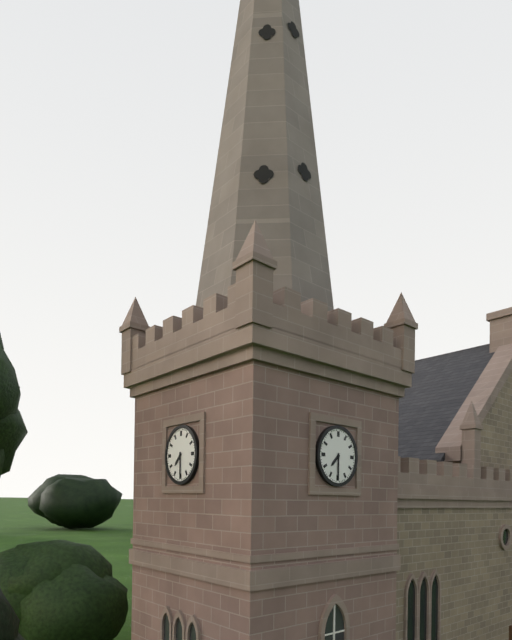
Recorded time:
{"hour": 7, "minute": 30}
